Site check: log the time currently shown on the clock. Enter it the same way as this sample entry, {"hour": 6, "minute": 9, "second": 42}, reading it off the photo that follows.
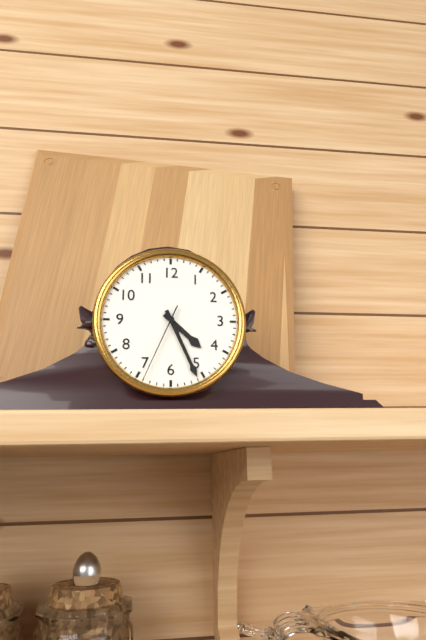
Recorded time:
{"hour": 4, "minute": 26, "second": 34}
